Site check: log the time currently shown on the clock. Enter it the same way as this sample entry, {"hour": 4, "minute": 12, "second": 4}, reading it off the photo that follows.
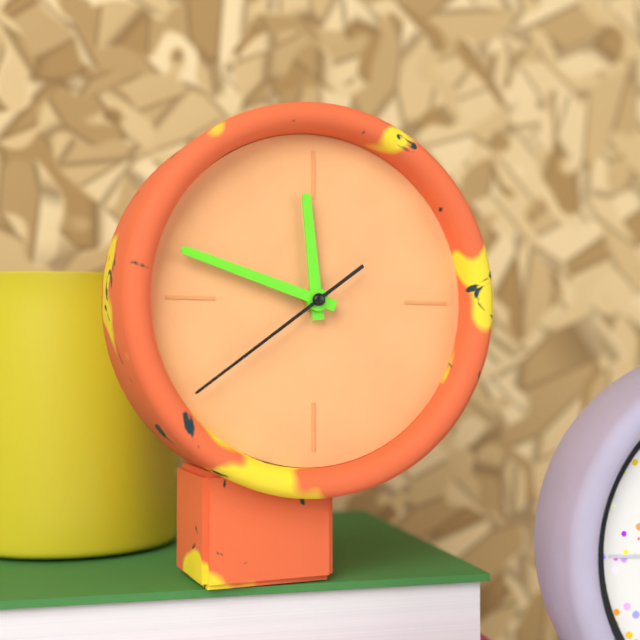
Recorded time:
{"hour": 11, "minute": 48, "second": 39}
